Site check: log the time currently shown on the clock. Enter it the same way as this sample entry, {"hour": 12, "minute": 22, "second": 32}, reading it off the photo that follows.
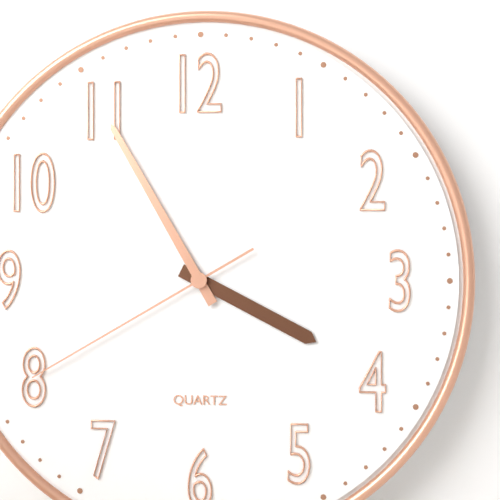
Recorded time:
{"hour": 3, "minute": 55, "second": 40}
